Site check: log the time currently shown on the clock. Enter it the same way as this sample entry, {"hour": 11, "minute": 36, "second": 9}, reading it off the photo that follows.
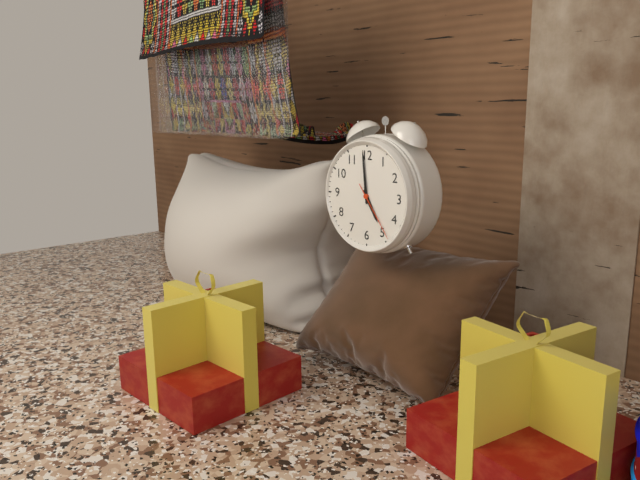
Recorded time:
{"hour": 4, "minute": 59, "second": 24}
